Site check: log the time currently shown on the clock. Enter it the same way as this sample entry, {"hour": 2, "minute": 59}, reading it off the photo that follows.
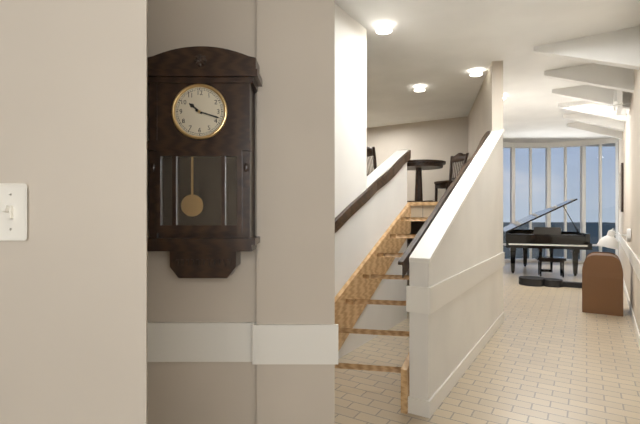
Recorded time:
{"hour": 10, "minute": 18}
